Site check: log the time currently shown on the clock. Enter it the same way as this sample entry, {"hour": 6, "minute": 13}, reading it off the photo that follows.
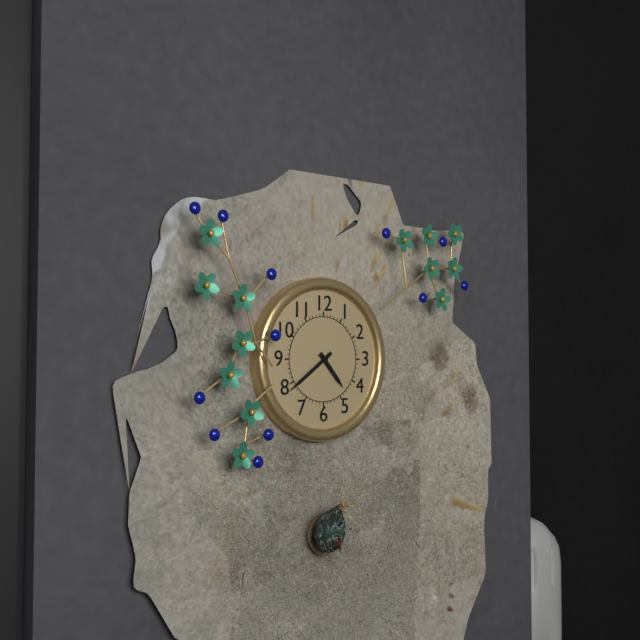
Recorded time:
{"hour": 4, "minute": 39}
